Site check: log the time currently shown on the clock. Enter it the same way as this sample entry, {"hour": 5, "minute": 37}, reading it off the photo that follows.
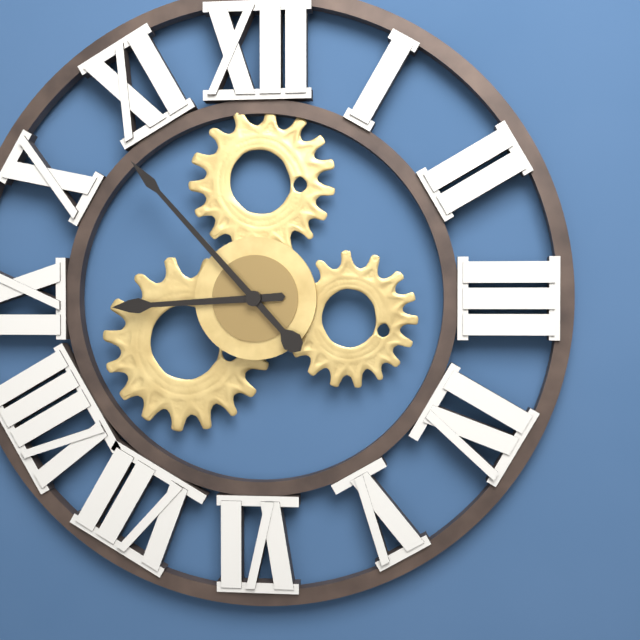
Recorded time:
{"hour": 8, "minute": 53}
